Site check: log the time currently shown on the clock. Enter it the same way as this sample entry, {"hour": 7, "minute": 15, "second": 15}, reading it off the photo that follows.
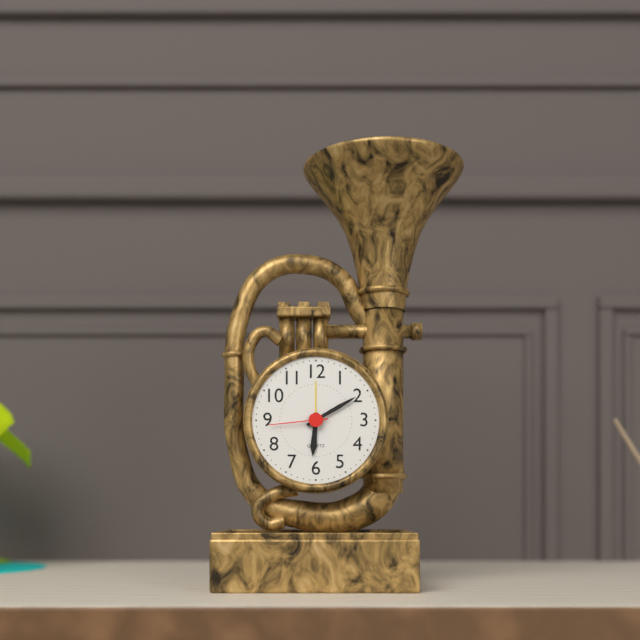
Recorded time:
{"hour": 6, "minute": 10, "second": 44}
